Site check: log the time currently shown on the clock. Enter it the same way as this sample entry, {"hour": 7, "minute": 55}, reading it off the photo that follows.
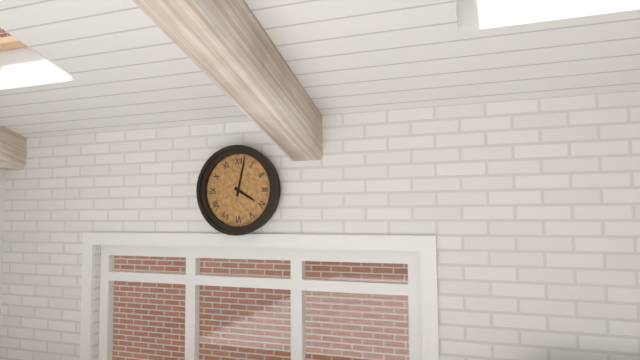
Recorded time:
{"hour": 4, "minute": 2}
